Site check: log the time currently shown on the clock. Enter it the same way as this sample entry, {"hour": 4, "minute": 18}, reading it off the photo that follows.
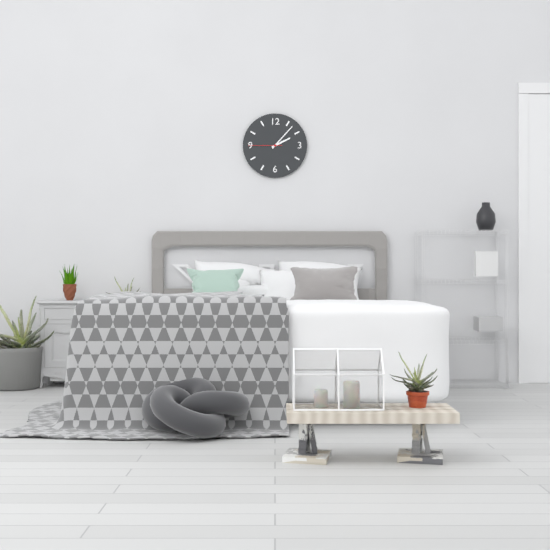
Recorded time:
{"hour": 2, "minute": 7}
